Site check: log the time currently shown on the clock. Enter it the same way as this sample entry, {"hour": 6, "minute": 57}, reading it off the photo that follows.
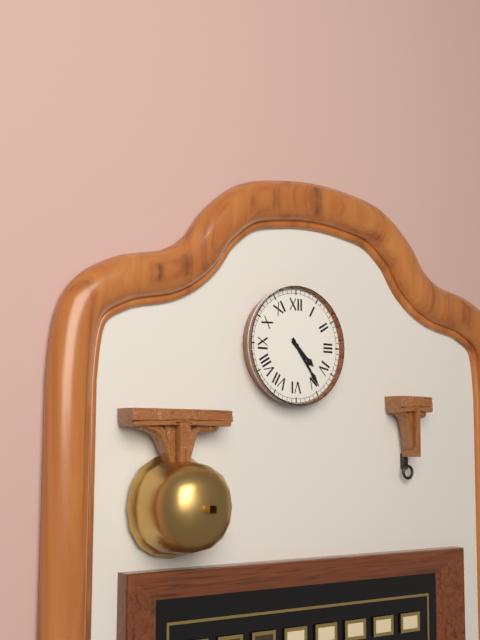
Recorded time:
{"hour": 4, "minute": 24}
